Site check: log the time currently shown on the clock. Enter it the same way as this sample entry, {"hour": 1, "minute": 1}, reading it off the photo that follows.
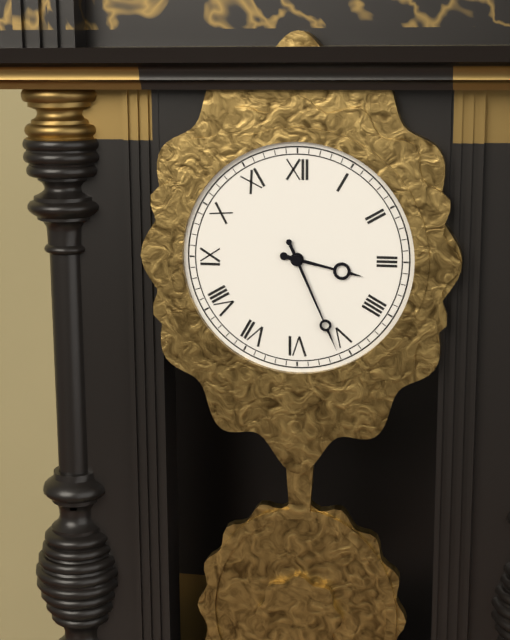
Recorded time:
{"hour": 3, "minute": 26}
